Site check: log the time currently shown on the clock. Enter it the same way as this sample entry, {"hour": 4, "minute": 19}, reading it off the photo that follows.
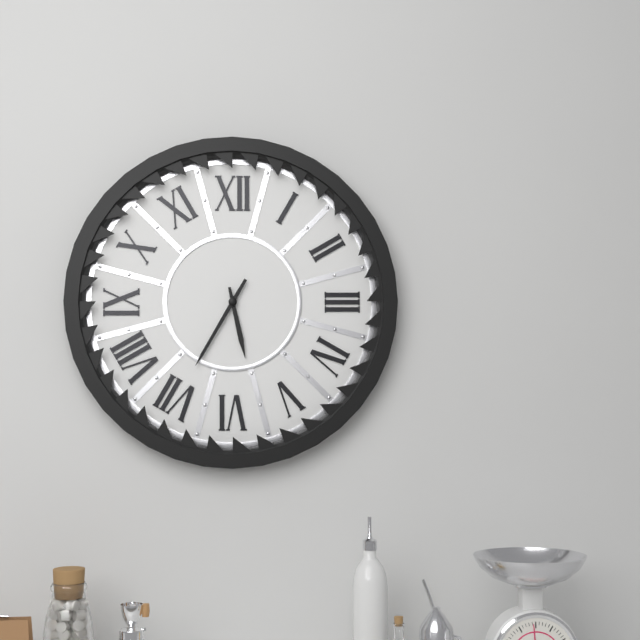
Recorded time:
{"hour": 5, "minute": 35}
